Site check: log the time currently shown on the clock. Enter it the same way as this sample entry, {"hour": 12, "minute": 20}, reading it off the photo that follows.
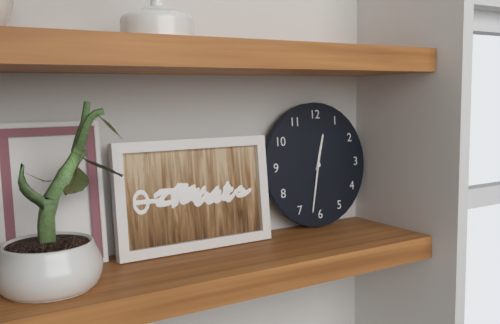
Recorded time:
{"hour": 12, "minute": 32}
